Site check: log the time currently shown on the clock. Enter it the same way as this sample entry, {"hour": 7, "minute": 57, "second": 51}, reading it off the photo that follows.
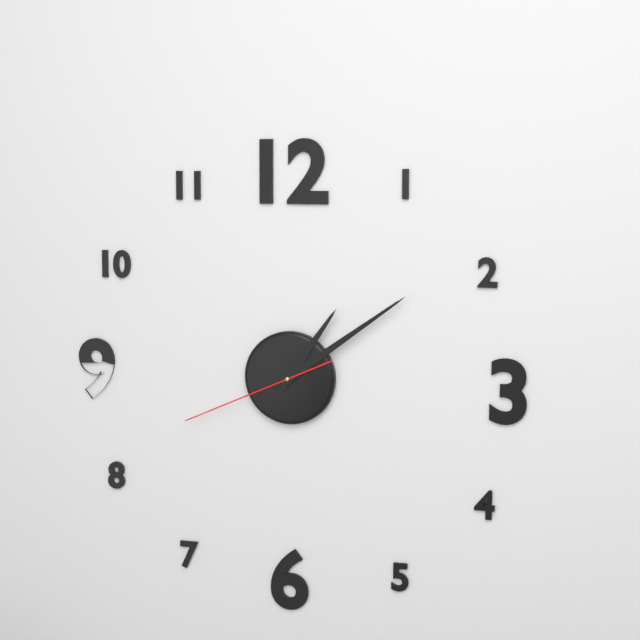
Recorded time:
{"hour": 1, "minute": 9, "second": 41}
